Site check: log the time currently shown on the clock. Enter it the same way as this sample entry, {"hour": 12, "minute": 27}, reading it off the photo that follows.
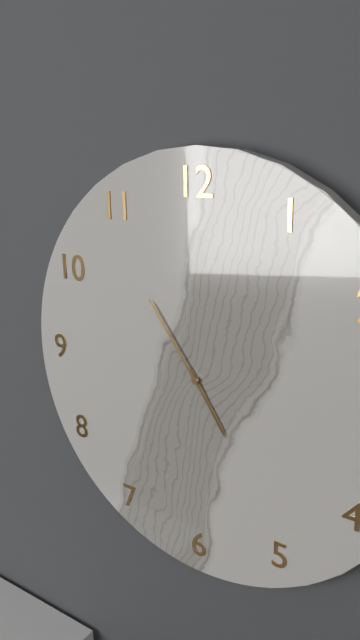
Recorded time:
{"hour": 4, "minute": 54}
